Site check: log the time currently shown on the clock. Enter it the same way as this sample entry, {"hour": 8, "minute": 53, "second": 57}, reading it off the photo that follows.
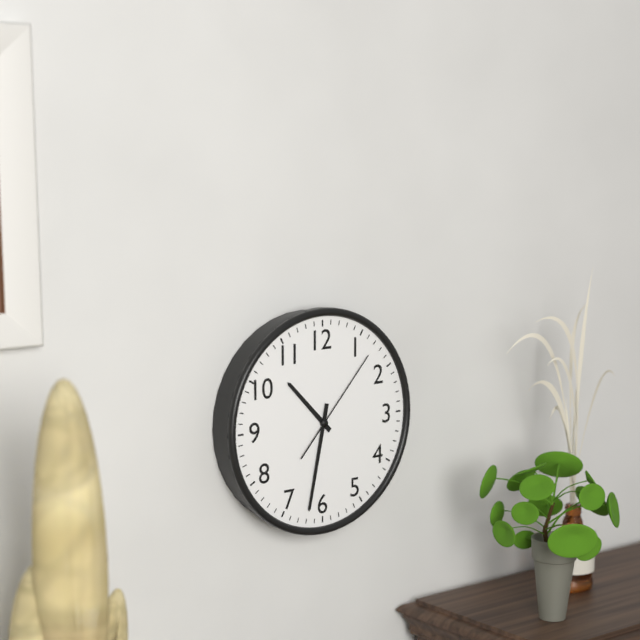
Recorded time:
{"hour": 10, "minute": 32, "second": 7}
